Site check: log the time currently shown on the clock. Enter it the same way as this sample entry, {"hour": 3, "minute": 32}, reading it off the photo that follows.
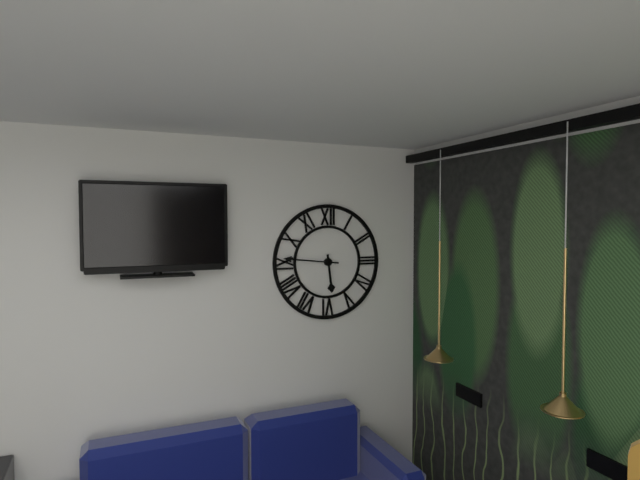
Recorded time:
{"hour": 5, "minute": 46}
